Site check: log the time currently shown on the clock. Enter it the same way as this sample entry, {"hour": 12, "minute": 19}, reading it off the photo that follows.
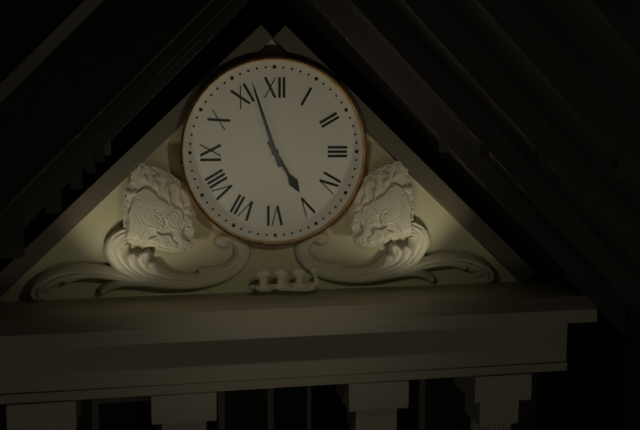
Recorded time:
{"hour": 4, "minute": 57}
